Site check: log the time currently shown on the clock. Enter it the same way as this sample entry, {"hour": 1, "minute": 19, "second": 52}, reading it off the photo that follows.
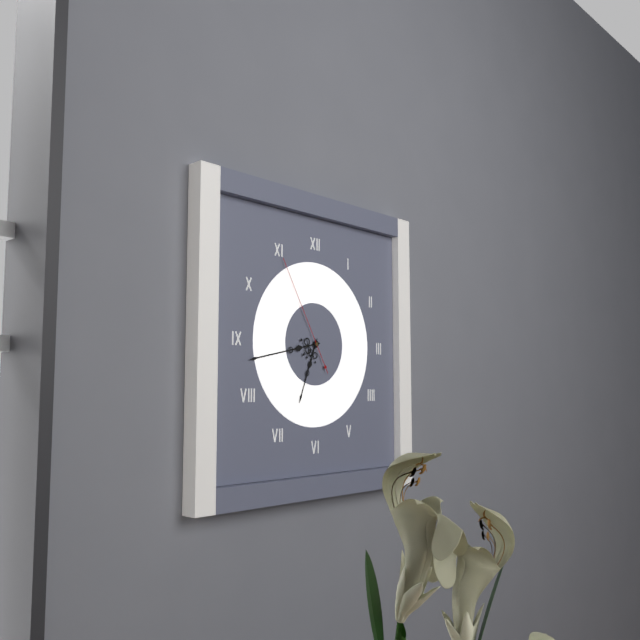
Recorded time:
{"hour": 6, "minute": 43, "second": 55}
